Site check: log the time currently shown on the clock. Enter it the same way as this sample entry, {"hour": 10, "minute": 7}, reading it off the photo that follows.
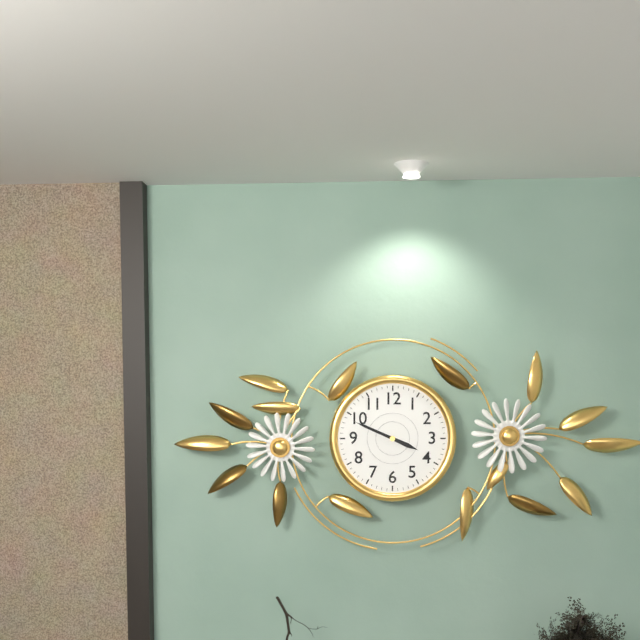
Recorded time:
{"hour": 3, "minute": 49}
